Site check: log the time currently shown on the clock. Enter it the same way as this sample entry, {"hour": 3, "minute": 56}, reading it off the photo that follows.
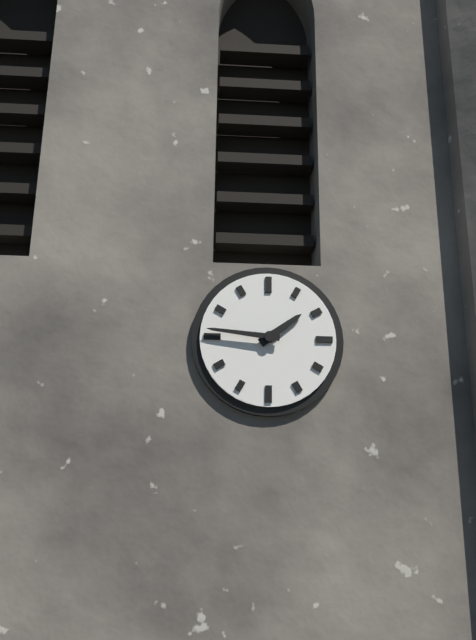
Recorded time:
{"hour": 1, "minute": 46}
